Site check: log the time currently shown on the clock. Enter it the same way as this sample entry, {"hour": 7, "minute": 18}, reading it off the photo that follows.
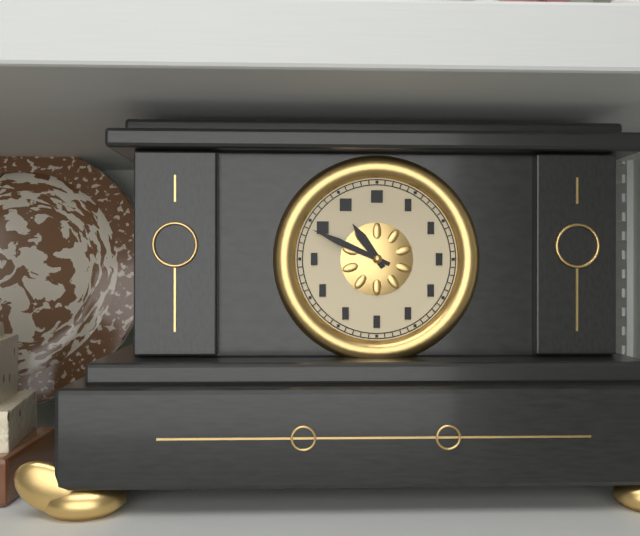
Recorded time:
{"hour": 10, "minute": 49}
